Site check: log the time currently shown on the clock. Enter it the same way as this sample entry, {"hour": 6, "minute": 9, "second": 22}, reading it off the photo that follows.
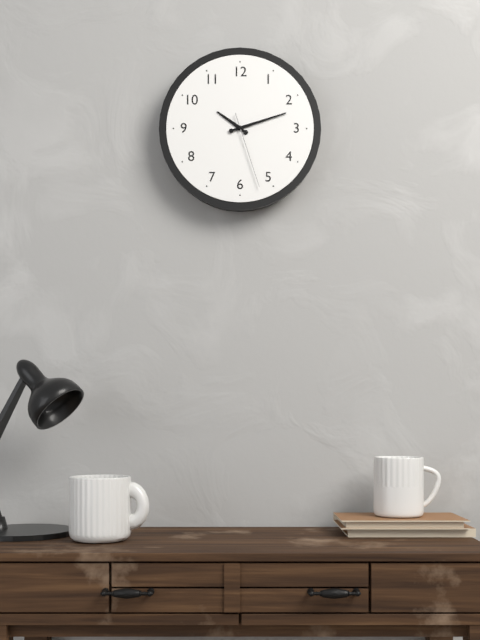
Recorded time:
{"hour": 10, "minute": 12, "second": 27}
